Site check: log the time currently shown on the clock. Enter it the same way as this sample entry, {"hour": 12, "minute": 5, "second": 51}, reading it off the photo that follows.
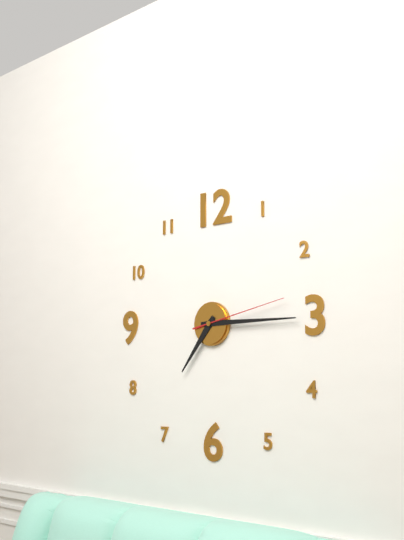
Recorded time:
{"hour": 7, "minute": 15, "second": 13}
